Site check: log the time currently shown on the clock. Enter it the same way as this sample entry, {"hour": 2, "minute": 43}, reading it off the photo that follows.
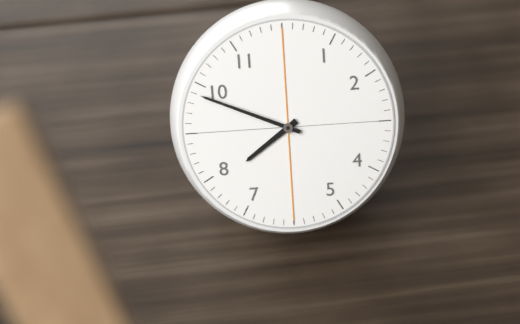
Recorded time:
{"hour": 7, "minute": 49}
